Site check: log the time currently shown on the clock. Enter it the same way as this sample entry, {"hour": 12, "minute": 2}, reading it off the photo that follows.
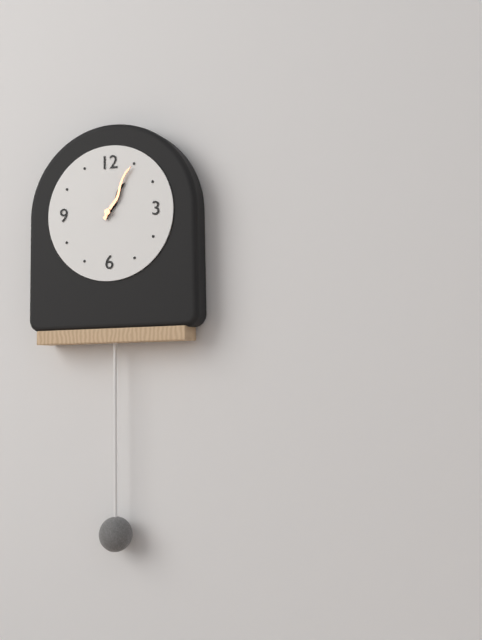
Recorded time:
{"hour": 1, "minute": 5}
